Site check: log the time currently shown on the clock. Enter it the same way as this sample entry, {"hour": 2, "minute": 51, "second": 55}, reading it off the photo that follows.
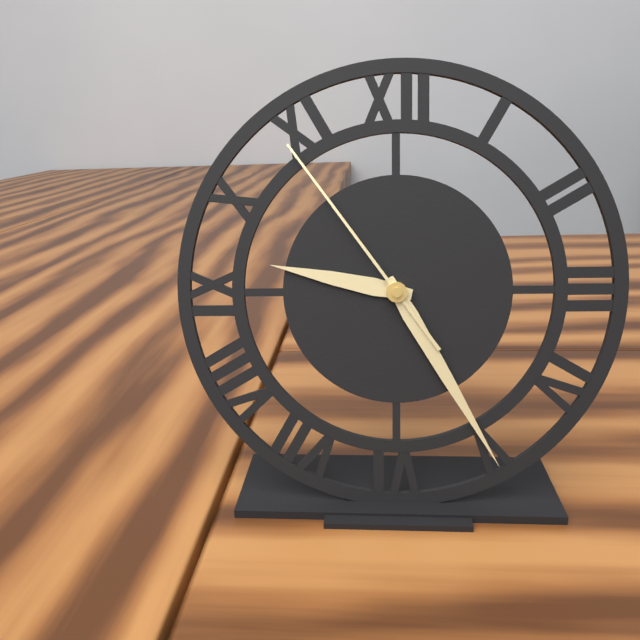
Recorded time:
{"hour": 9, "minute": 25, "second": 54}
